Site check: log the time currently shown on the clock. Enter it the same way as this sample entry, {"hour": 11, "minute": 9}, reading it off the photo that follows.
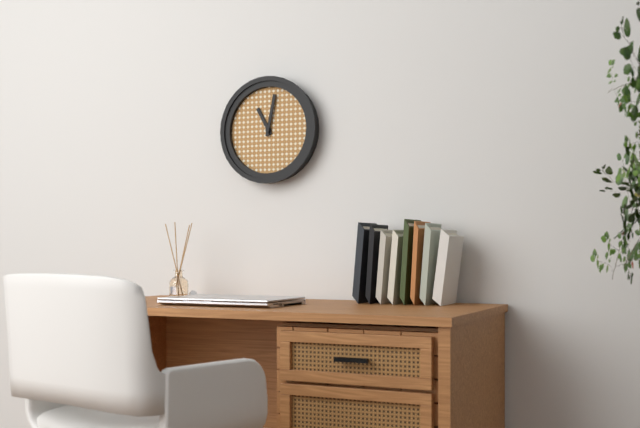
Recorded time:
{"hour": 11, "minute": 2}
